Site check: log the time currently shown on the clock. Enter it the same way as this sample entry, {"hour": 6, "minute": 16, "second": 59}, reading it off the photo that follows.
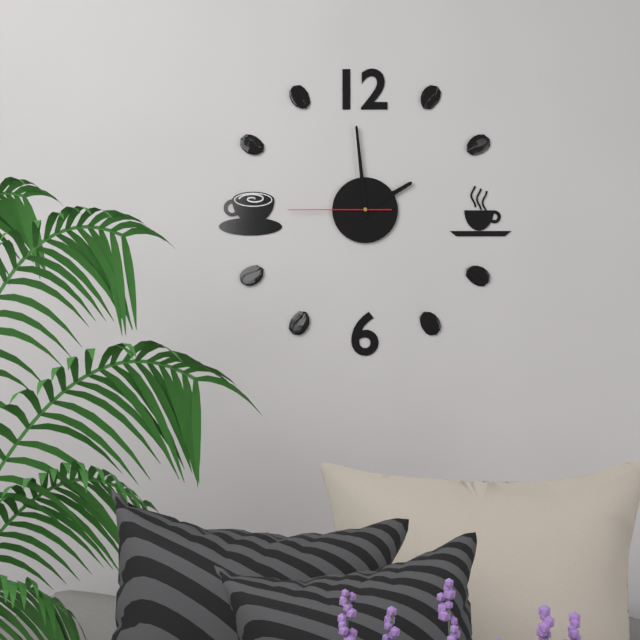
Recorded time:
{"hour": 1, "minute": 59, "second": 45}
